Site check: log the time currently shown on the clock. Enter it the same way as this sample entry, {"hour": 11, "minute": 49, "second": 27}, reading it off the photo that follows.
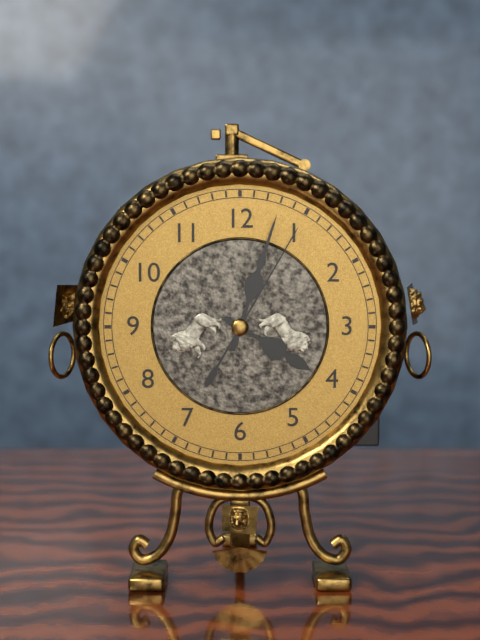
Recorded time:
{"hour": 4, "minute": 3, "second": 5}
